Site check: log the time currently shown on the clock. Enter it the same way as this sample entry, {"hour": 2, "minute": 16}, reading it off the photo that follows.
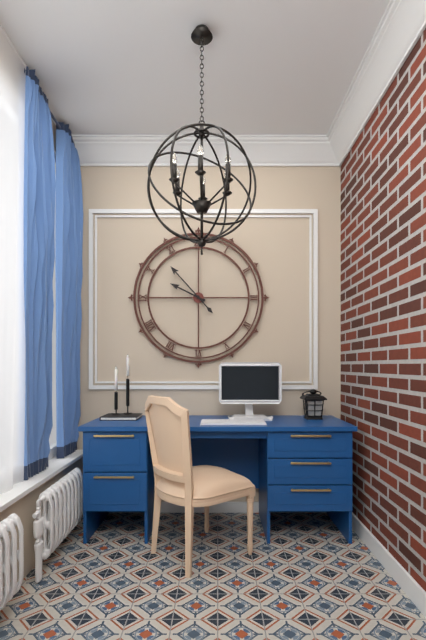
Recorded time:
{"hour": 9, "minute": 53}
